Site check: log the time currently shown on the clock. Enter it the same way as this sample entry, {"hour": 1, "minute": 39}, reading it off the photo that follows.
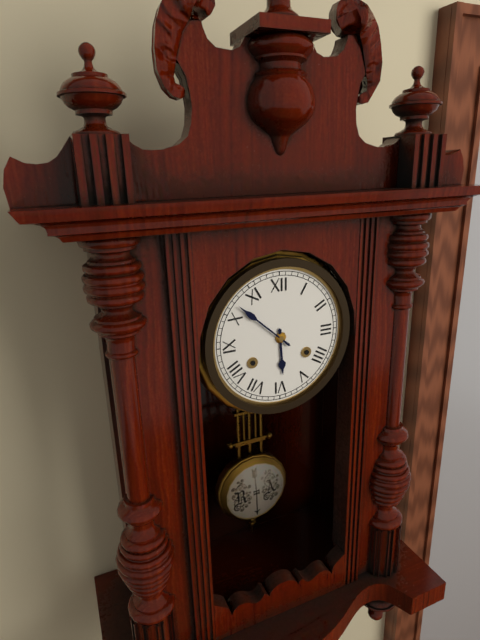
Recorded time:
{"hour": 5, "minute": 52}
